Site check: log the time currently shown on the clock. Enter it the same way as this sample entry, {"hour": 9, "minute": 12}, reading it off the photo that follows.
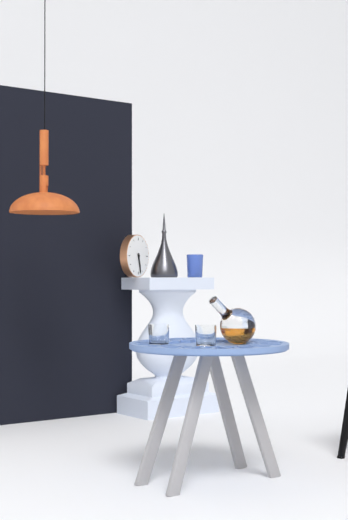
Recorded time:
{"hour": 5, "minute": 28}
